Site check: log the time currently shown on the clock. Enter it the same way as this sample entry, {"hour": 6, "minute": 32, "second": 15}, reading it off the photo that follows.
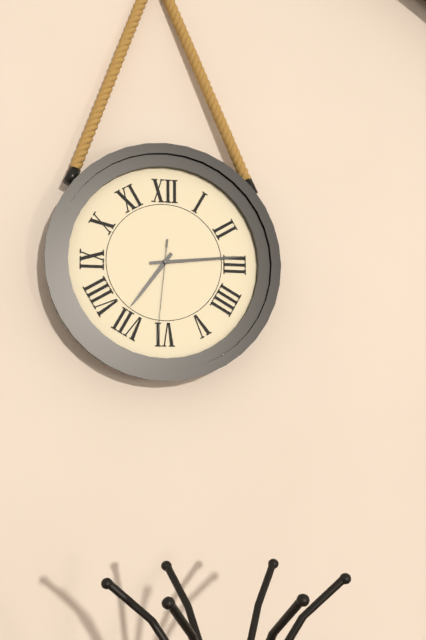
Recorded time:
{"hour": 7, "minute": 14, "second": 31}
